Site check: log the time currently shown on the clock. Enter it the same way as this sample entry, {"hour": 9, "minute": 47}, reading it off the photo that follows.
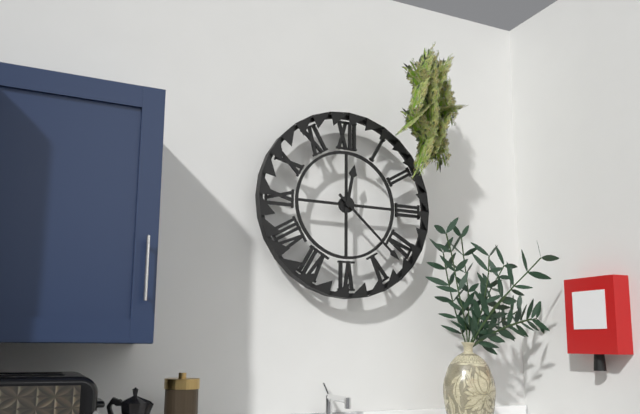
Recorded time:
{"hour": 12, "minute": 22}
